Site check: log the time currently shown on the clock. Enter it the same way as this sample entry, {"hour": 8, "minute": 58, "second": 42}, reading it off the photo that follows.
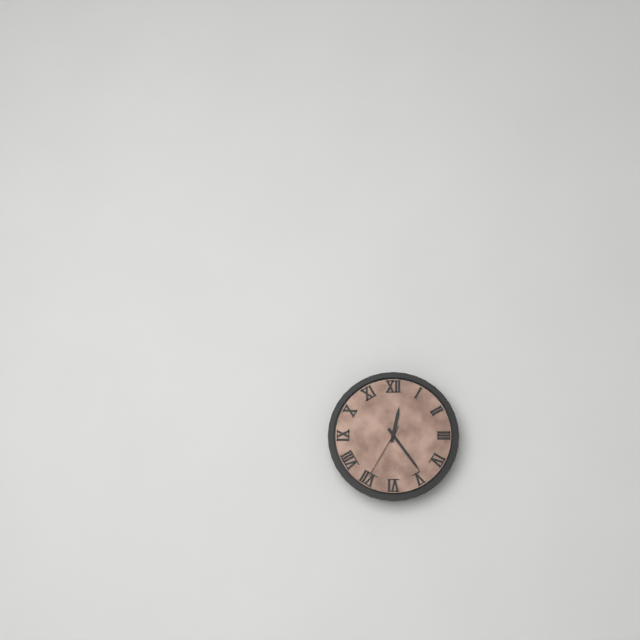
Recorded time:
{"hour": 12, "minute": 24, "second": 35}
